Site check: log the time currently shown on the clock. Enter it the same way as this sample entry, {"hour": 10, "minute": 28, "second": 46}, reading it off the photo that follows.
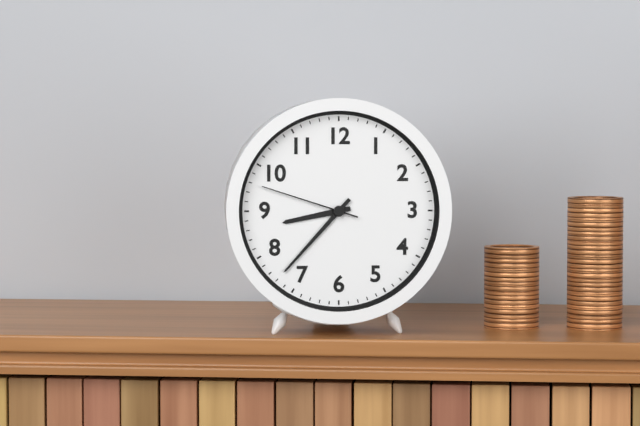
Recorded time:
{"hour": 8, "minute": 37, "second": 48}
